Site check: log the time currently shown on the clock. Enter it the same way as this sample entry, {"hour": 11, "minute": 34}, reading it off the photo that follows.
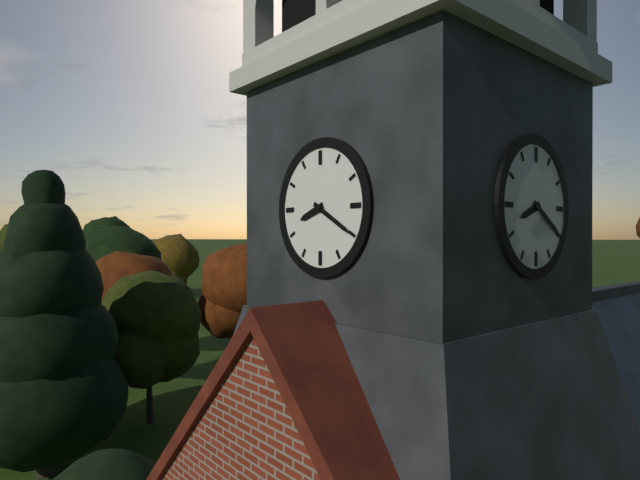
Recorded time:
{"hour": 8, "minute": 20}
